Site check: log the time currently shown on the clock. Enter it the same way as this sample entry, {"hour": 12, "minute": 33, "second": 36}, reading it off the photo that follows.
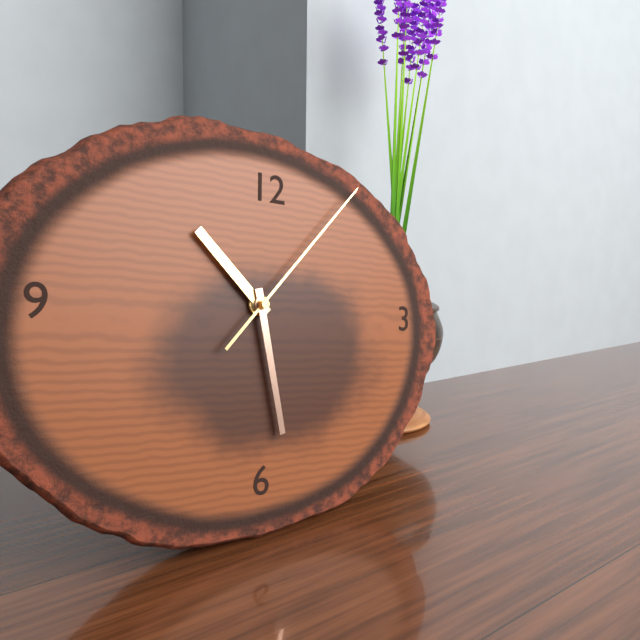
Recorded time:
{"hour": 10, "minute": 28, "second": 7}
